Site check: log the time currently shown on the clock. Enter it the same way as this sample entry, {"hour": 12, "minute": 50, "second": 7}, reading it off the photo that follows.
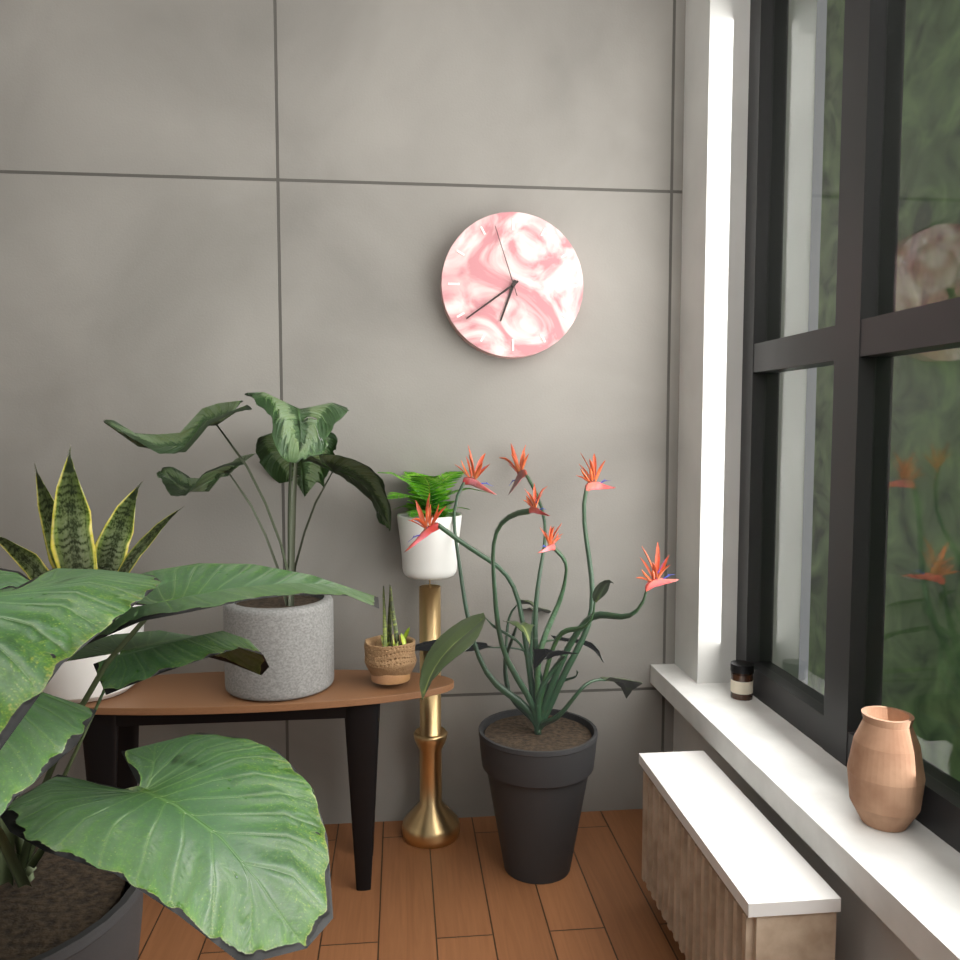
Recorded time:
{"hour": 6, "minute": 39, "second": 57}
